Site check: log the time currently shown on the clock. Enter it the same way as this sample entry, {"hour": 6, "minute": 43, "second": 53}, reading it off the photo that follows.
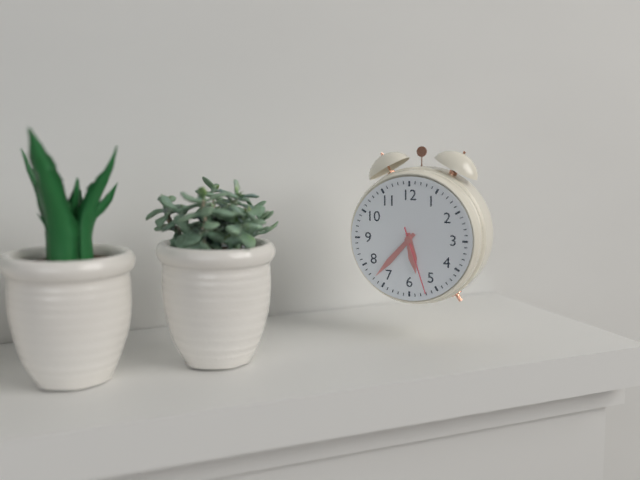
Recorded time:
{"hour": 5, "minute": 37, "second": 27}
